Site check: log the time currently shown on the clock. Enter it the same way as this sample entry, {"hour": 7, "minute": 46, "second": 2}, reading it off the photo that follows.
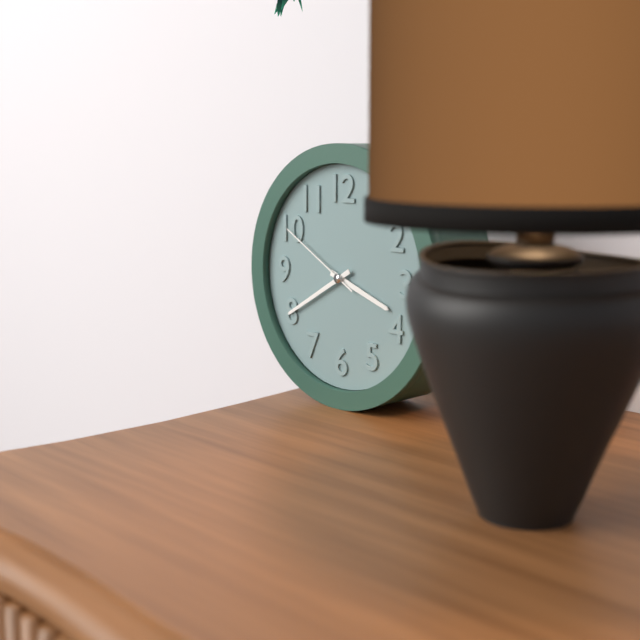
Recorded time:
{"hour": 3, "minute": 40, "second": 50}
